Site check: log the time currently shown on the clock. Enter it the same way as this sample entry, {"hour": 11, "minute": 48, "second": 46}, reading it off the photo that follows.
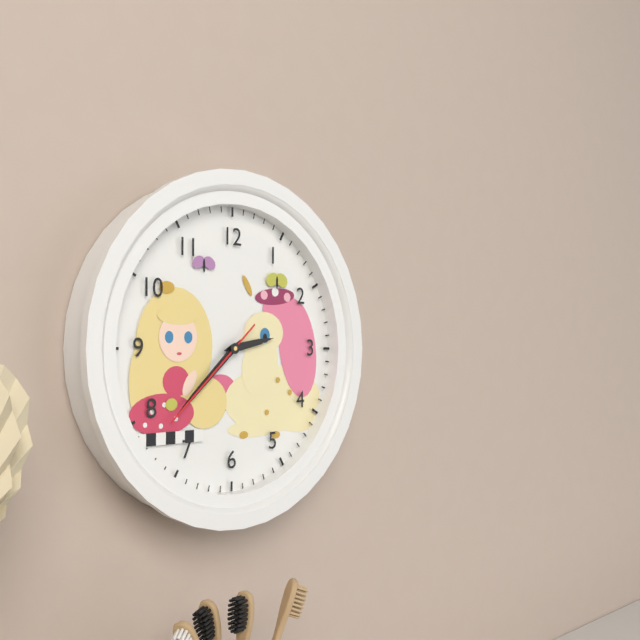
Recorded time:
{"hour": 2, "minute": 38, "second": 38}
